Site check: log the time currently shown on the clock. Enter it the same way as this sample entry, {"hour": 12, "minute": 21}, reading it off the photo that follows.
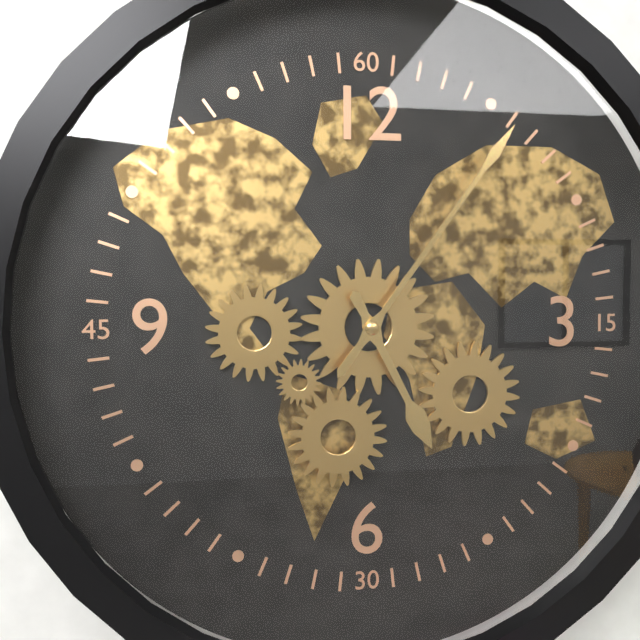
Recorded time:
{"hour": 5, "minute": 6}
